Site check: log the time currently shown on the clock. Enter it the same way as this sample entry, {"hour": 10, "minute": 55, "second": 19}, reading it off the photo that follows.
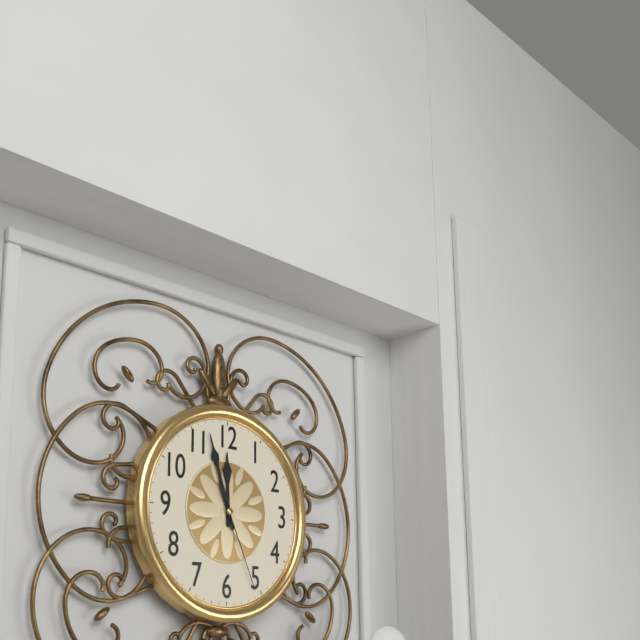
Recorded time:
{"hour": 11, "minute": 57, "second": 26}
